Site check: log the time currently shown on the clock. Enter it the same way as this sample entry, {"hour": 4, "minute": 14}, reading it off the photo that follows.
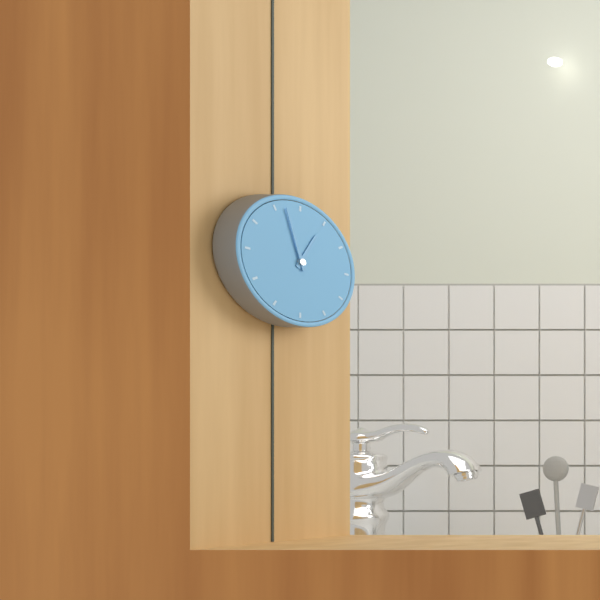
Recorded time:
{"hour": 12, "minute": 57}
